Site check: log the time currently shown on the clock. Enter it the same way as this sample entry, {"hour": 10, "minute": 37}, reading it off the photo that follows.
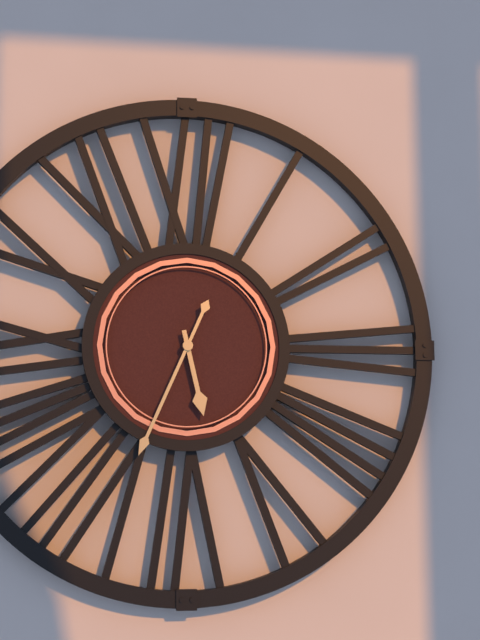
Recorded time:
{"hour": 5, "minute": 34}
